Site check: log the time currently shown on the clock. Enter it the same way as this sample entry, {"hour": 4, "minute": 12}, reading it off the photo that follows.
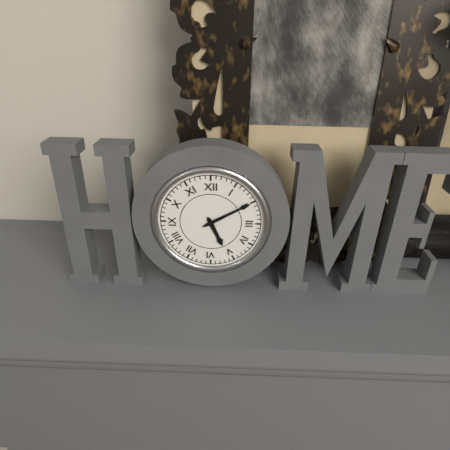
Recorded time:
{"hour": 5, "minute": 10}
